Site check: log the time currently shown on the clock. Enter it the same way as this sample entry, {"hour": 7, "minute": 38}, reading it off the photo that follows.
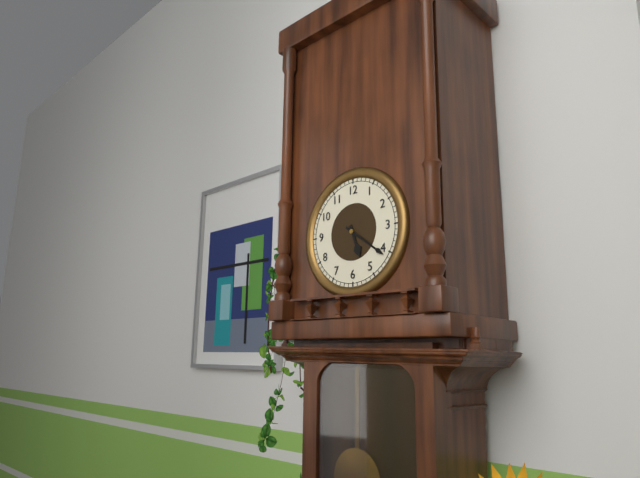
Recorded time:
{"hour": 5, "minute": 21}
